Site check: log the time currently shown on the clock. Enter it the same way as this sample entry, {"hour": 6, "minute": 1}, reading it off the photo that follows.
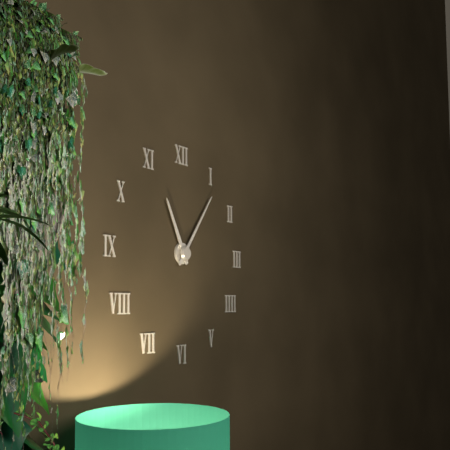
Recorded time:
{"hour": 11, "minute": 6}
